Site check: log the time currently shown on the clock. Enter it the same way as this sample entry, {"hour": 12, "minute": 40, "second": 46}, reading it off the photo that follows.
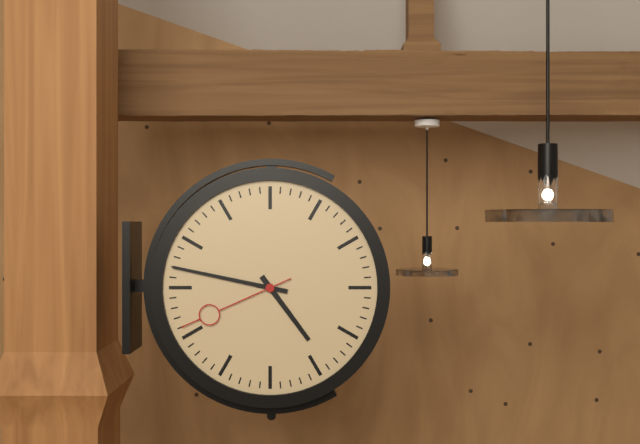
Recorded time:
{"hour": 4, "minute": 47, "second": 41}
